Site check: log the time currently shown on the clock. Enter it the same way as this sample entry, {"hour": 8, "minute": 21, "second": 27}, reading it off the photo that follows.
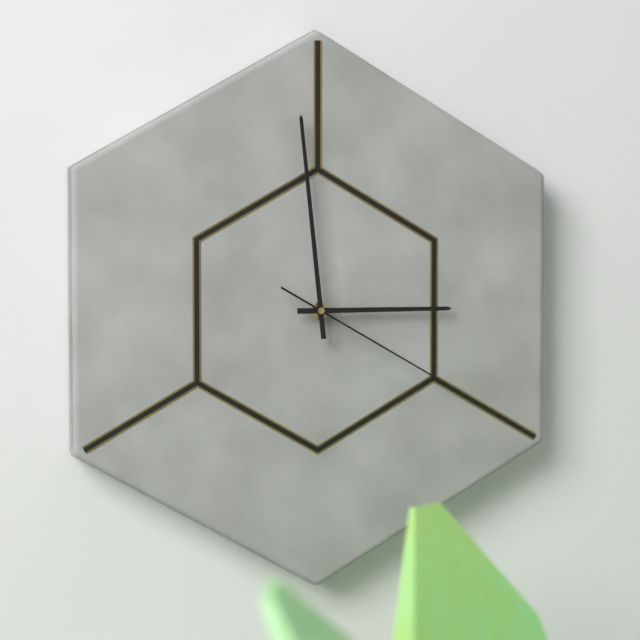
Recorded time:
{"hour": 2, "minute": 59, "second": 20}
